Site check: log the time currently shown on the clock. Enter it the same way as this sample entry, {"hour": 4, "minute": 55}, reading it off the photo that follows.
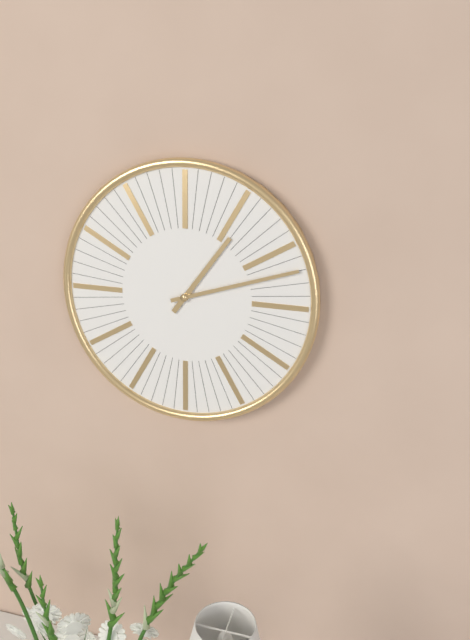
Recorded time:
{"hour": 1, "minute": 12}
